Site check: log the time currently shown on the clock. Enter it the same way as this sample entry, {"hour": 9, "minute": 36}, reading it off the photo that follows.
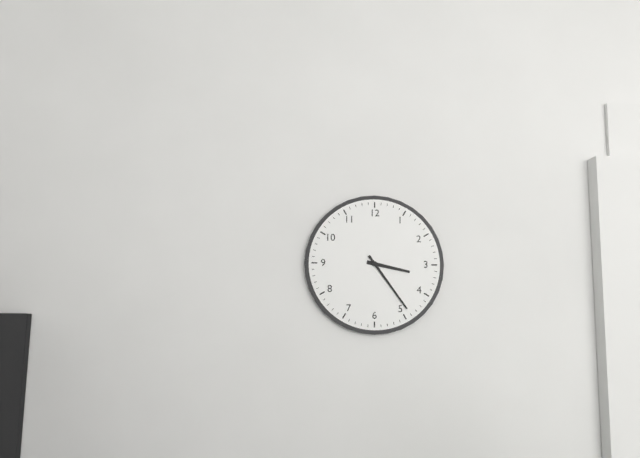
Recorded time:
{"hour": 3, "minute": 24}
